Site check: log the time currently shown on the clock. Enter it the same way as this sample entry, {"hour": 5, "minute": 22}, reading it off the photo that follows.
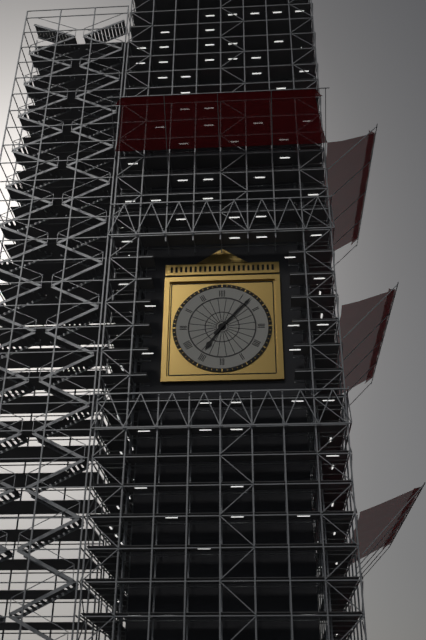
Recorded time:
{"hour": 7, "minute": 7}
